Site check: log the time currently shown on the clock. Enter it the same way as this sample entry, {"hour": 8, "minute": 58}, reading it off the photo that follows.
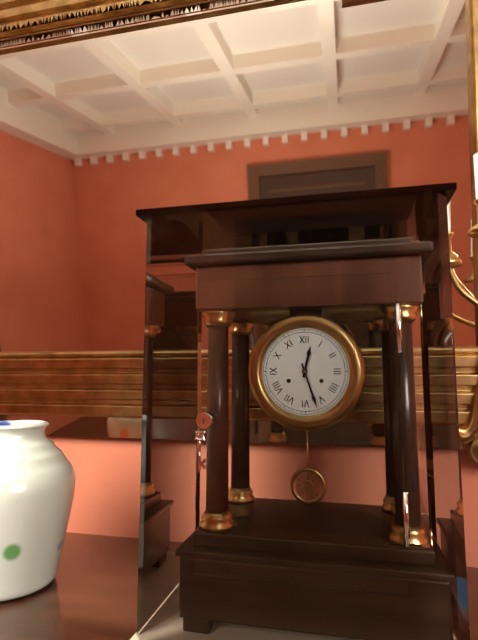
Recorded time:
{"hour": 12, "minute": 27}
